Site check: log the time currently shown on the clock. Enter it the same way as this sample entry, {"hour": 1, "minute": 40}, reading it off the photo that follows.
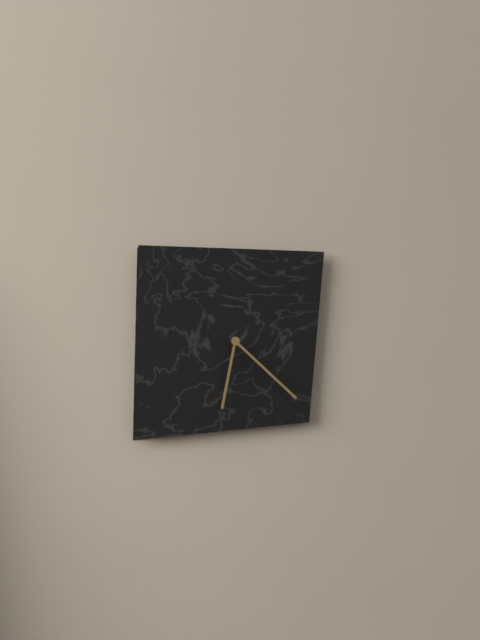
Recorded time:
{"hour": 6, "minute": 22}
